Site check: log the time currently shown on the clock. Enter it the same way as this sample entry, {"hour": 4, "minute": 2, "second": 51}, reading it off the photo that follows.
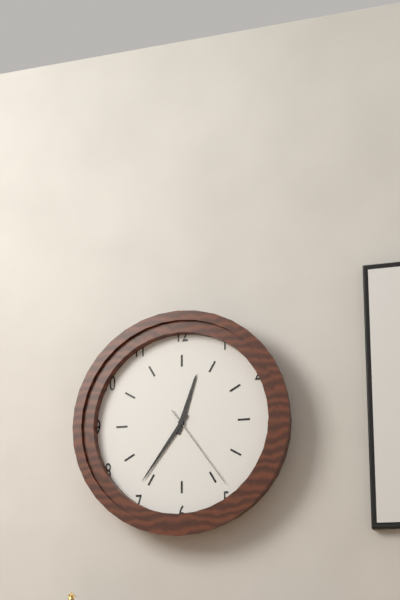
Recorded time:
{"hour": 12, "minute": 36, "second": 24}
